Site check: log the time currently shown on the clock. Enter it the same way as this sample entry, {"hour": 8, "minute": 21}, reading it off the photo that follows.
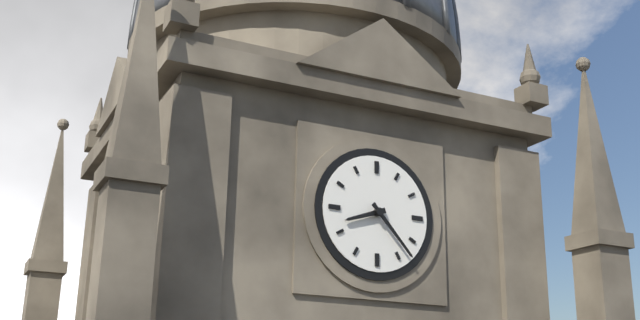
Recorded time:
{"hour": 8, "minute": 23}
